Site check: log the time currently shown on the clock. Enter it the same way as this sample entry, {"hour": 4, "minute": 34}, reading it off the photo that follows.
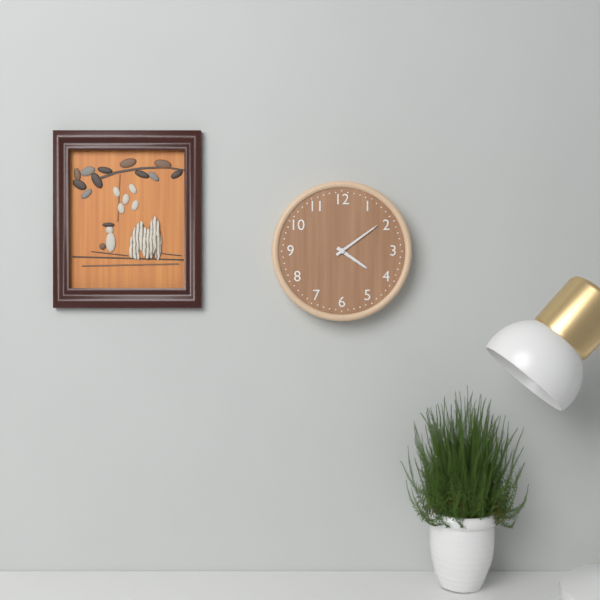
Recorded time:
{"hour": 4, "minute": 9}
